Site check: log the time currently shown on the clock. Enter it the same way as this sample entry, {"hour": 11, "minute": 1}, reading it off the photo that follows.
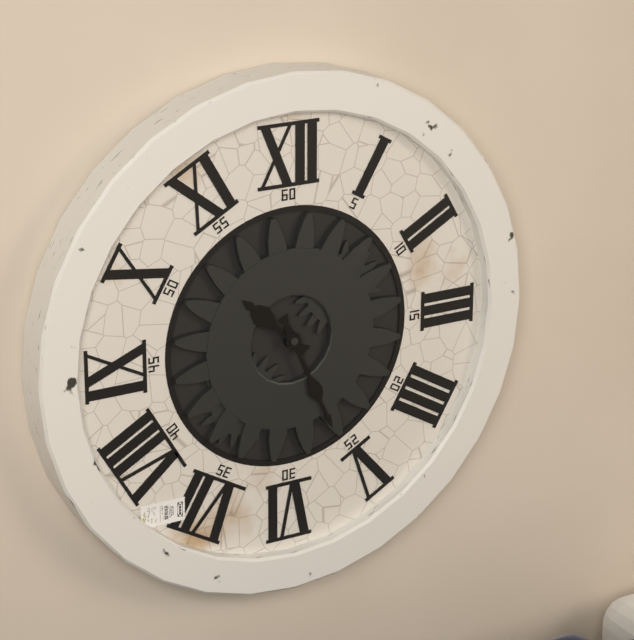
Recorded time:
{"hour": 10, "minute": 26}
